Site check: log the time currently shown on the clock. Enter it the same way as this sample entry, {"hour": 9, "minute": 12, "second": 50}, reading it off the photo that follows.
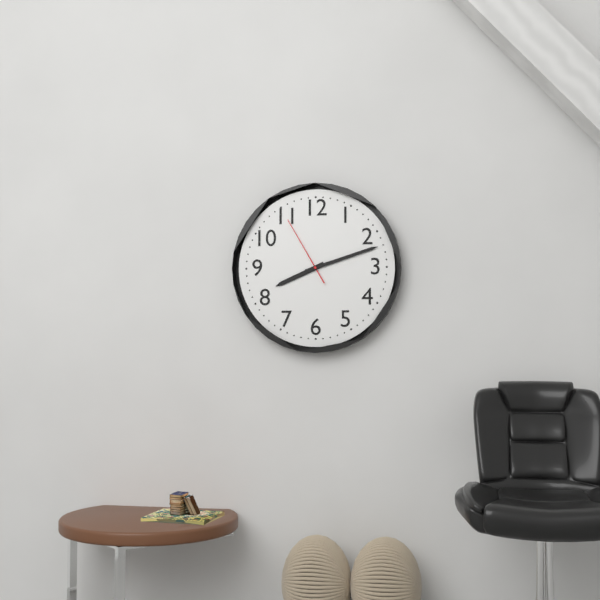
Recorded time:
{"hour": 8, "minute": 12, "second": 55}
